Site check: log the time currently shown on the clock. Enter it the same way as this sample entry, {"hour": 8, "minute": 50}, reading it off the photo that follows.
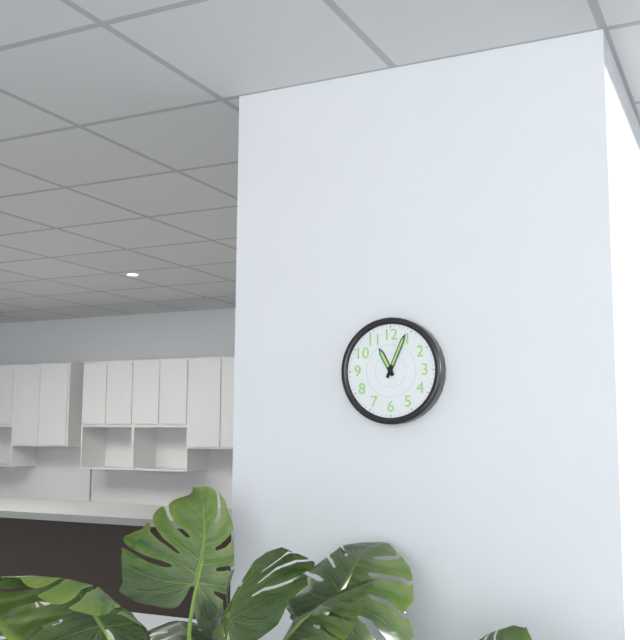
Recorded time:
{"hour": 11, "minute": 4}
